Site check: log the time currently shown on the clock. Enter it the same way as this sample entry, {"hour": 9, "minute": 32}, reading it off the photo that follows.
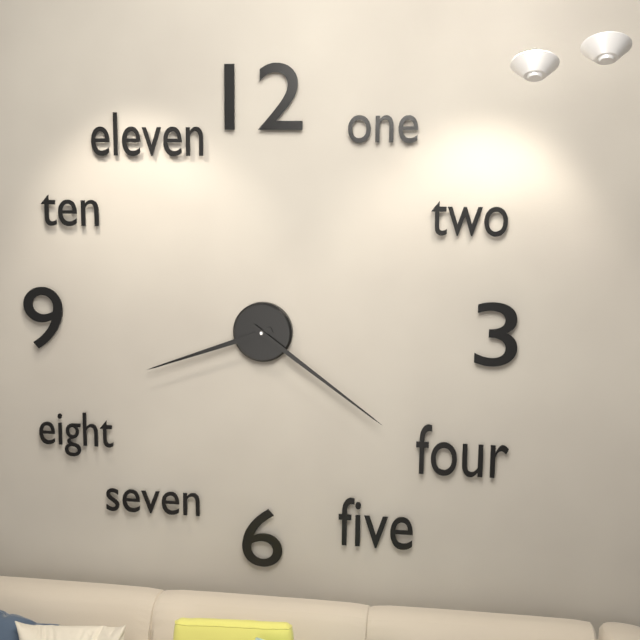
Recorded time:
{"hour": 8, "minute": 21}
